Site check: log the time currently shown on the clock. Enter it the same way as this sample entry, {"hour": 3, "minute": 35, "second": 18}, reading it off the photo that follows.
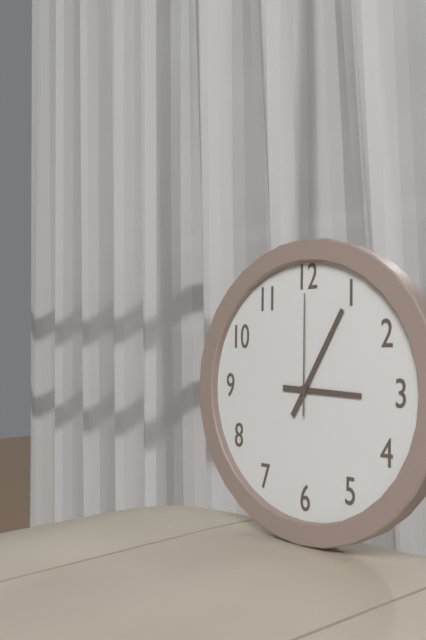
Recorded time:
{"hour": 3, "minute": 5, "second": 0}
